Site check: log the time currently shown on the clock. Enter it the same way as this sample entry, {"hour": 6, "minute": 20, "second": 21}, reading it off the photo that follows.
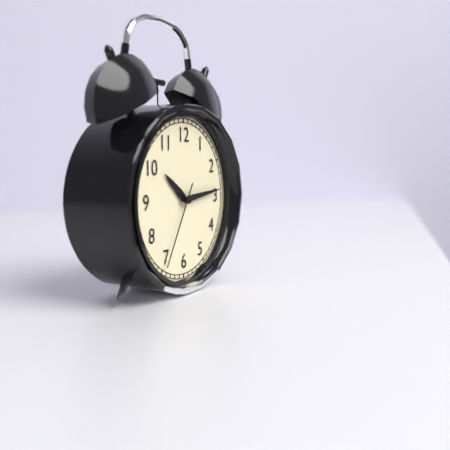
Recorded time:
{"hour": 10, "minute": 14, "second": 35}
